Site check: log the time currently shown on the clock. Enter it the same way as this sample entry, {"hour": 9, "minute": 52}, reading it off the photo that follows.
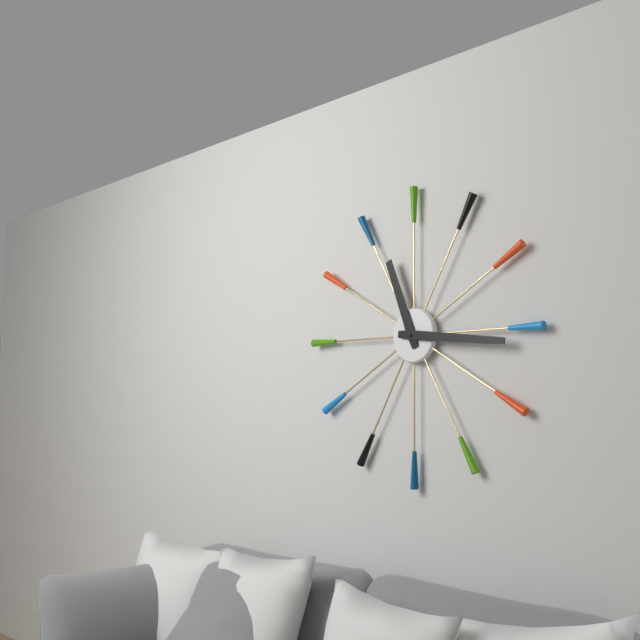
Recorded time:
{"hour": 11, "minute": 16}
